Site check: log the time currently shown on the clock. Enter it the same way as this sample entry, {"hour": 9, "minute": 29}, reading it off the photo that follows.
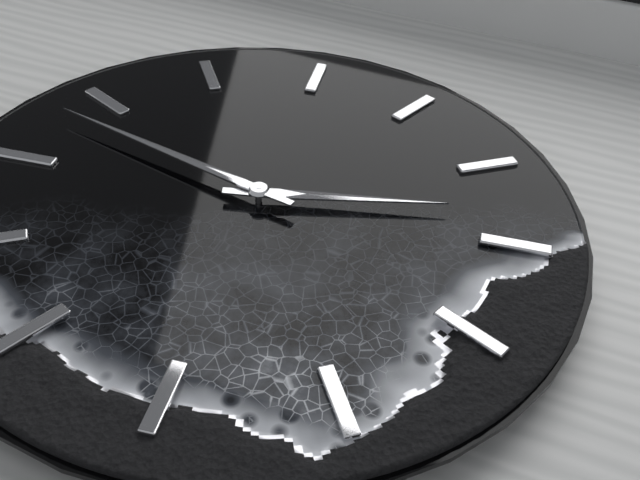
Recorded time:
{"hour": 12, "minute": 38}
